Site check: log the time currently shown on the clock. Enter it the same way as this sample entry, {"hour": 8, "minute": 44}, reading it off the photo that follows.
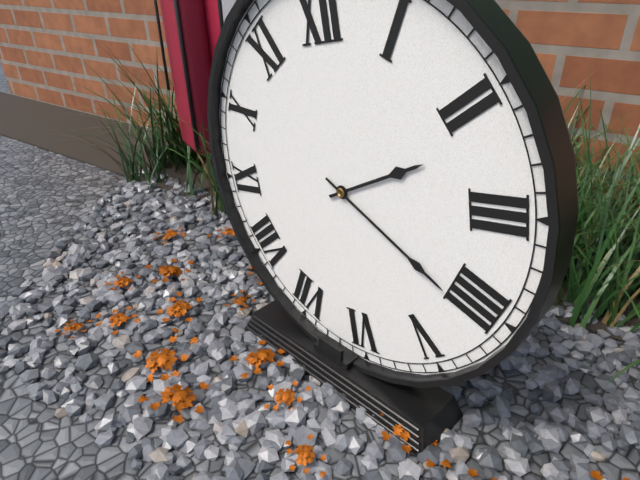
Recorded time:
{"hour": 2, "minute": 21}
